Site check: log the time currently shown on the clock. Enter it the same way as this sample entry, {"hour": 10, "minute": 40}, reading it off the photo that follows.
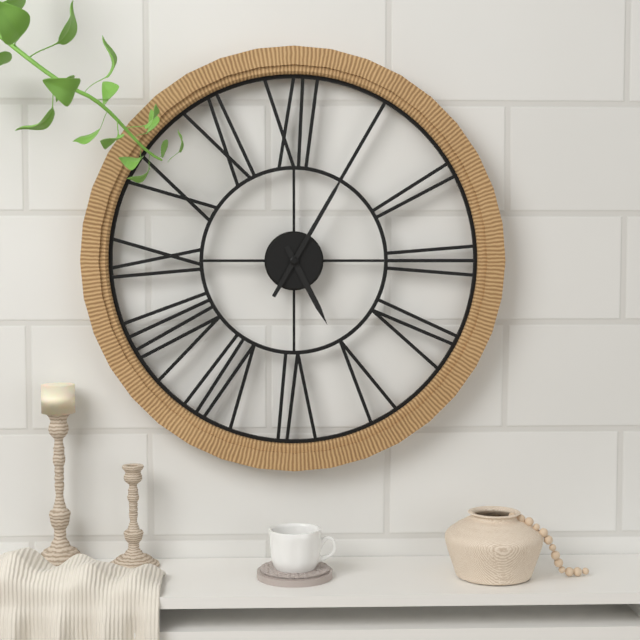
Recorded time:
{"hour": 5, "minute": 5}
